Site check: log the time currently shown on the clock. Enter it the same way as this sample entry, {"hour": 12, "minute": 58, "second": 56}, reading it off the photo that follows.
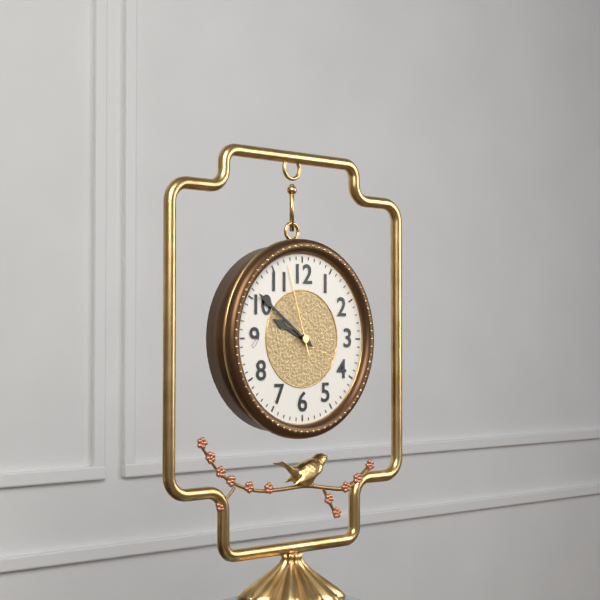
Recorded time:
{"hour": 9, "minute": 51, "second": 57}
